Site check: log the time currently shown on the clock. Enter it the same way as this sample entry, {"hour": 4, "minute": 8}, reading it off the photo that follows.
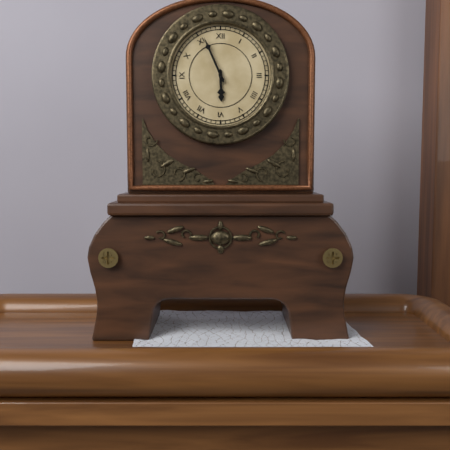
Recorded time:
{"hour": 5, "minute": 56}
